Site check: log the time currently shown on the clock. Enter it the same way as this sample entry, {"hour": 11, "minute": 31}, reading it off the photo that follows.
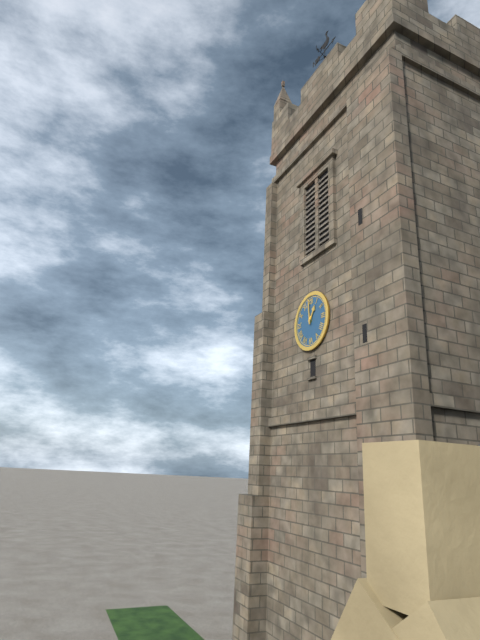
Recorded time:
{"hour": 12, "minute": 59}
